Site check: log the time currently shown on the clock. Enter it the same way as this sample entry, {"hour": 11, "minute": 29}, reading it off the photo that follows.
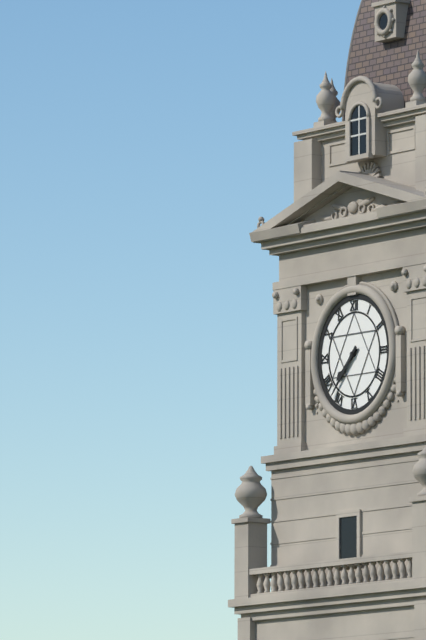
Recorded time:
{"hour": 7, "minute": 37}
